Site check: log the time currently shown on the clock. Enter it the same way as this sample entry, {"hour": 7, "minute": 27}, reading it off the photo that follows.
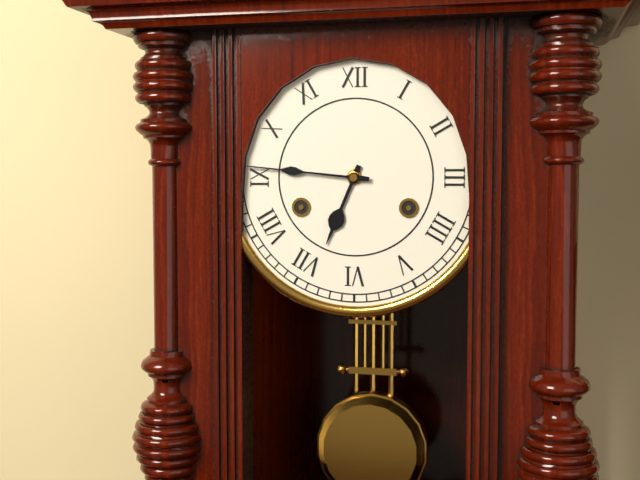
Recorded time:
{"hour": 6, "minute": 46}
